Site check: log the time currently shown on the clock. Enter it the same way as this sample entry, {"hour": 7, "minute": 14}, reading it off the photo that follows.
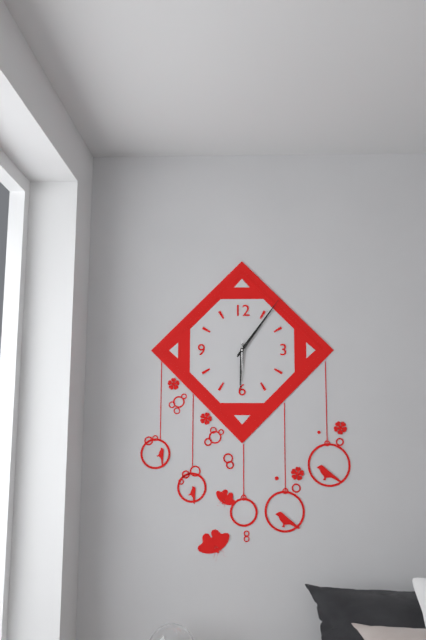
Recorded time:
{"hour": 6, "minute": 6}
